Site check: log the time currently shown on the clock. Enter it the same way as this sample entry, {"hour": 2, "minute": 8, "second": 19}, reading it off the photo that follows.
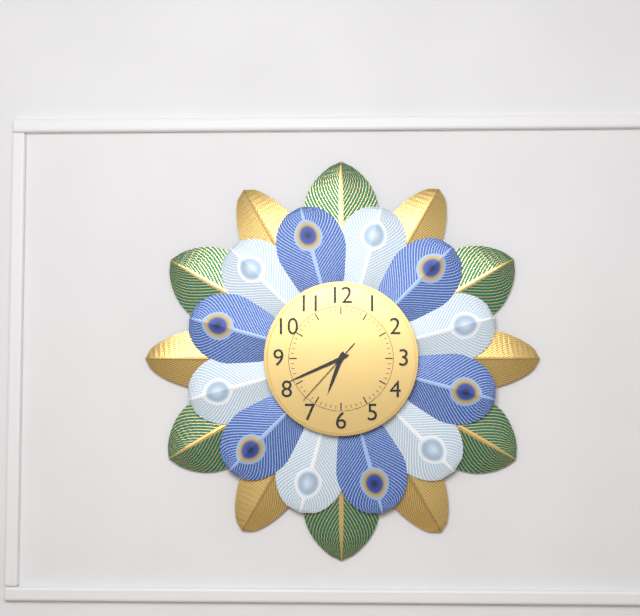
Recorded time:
{"hour": 6, "minute": 41, "second": 37}
